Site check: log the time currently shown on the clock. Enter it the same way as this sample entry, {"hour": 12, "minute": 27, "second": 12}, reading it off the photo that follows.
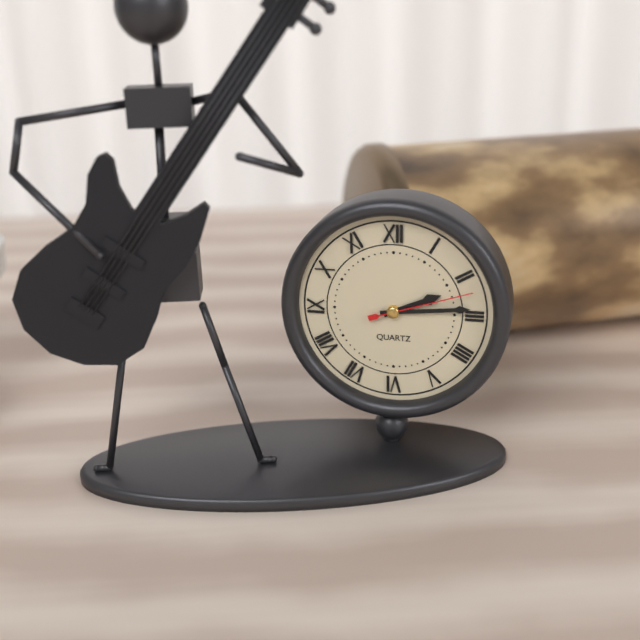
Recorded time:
{"hour": 2, "minute": 14, "second": 12}
